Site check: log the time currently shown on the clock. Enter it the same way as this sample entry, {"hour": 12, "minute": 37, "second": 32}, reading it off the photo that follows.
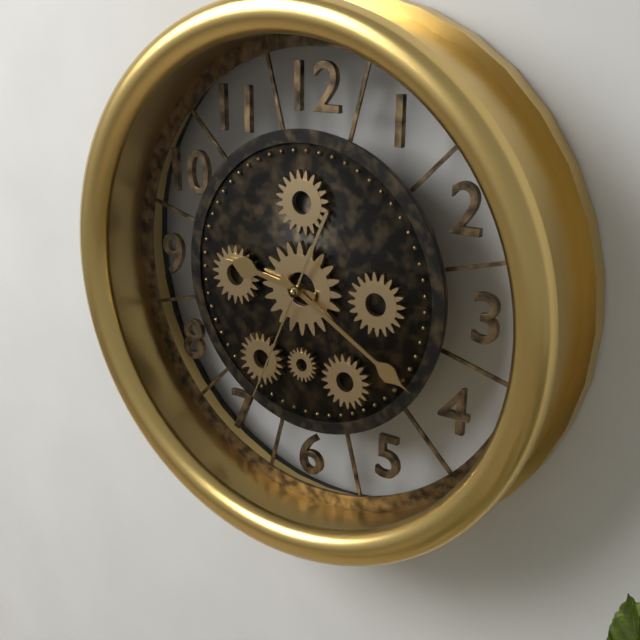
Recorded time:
{"hour": 9, "minute": 20, "second": 34}
